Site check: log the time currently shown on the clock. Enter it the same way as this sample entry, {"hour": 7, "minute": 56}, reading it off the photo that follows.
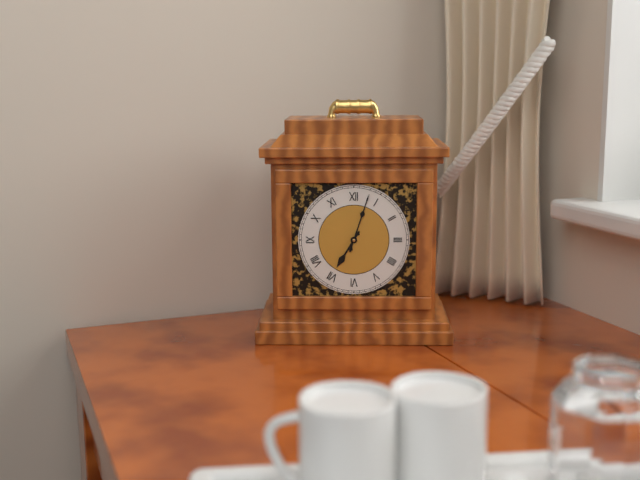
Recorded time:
{"hour": 7, "minute": 3}
